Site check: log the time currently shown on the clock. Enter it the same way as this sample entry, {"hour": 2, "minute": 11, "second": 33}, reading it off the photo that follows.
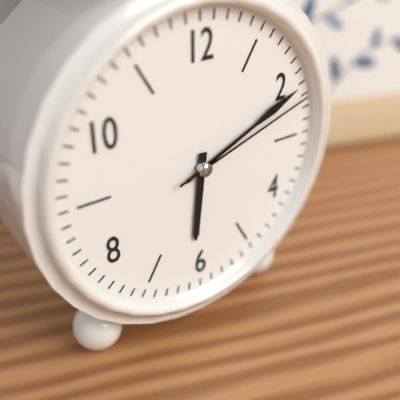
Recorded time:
{"hour": 6, "minute": 11, "second": 12}
